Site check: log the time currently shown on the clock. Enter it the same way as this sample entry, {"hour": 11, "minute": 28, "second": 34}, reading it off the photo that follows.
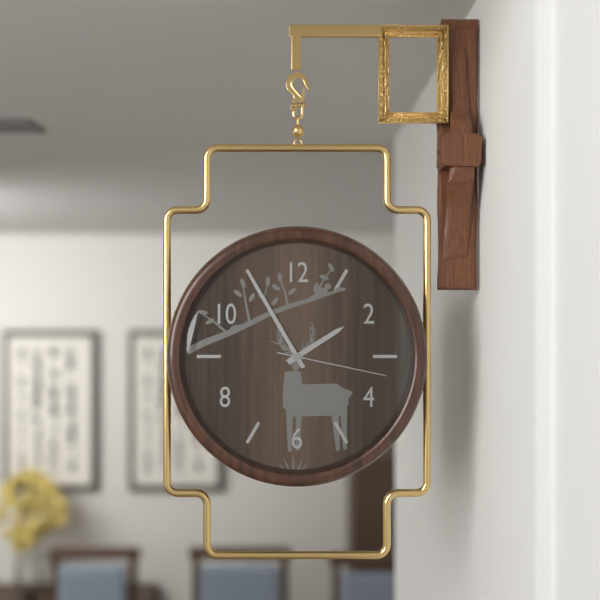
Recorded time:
{"hour": 1, "minute": 55, "second": 17}
